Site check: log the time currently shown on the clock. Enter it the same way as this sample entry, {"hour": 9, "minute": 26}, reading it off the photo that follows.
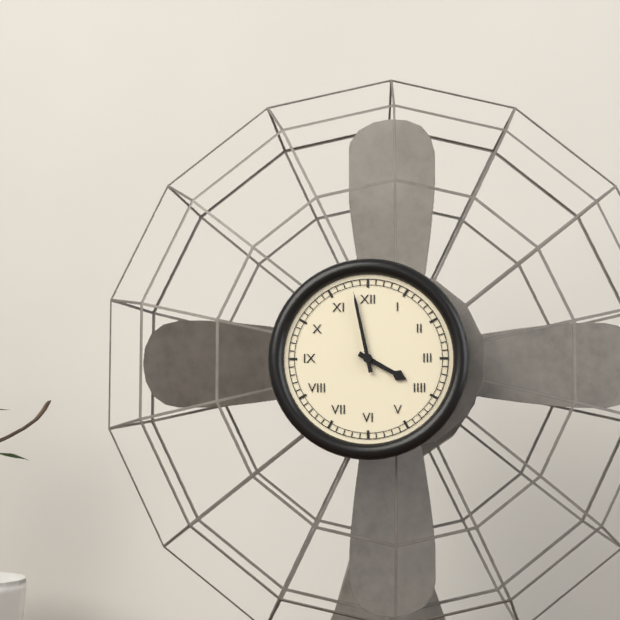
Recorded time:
{"hour": 3, "minute": 58}
